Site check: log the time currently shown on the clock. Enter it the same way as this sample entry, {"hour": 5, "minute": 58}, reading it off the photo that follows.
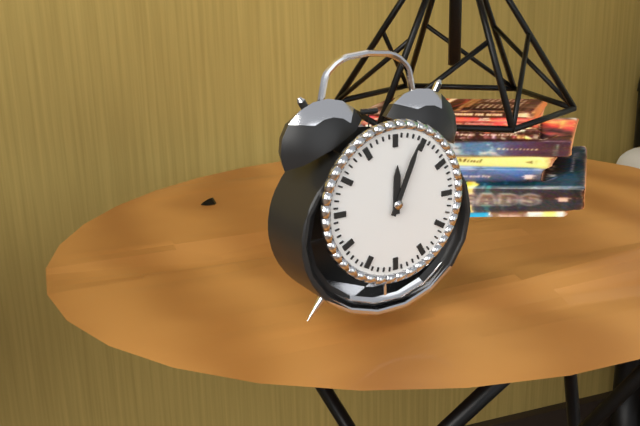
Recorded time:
{"hour": 12, "minute": 4}
